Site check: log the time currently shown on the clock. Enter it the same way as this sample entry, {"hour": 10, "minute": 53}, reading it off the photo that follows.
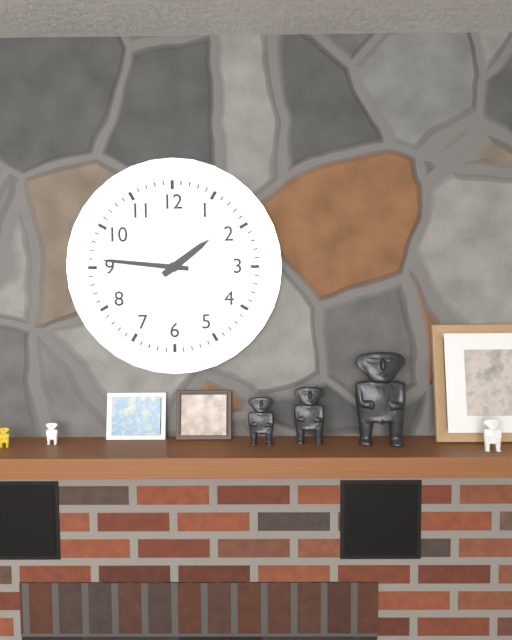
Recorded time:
{"hour": 1, "minute": 46}
